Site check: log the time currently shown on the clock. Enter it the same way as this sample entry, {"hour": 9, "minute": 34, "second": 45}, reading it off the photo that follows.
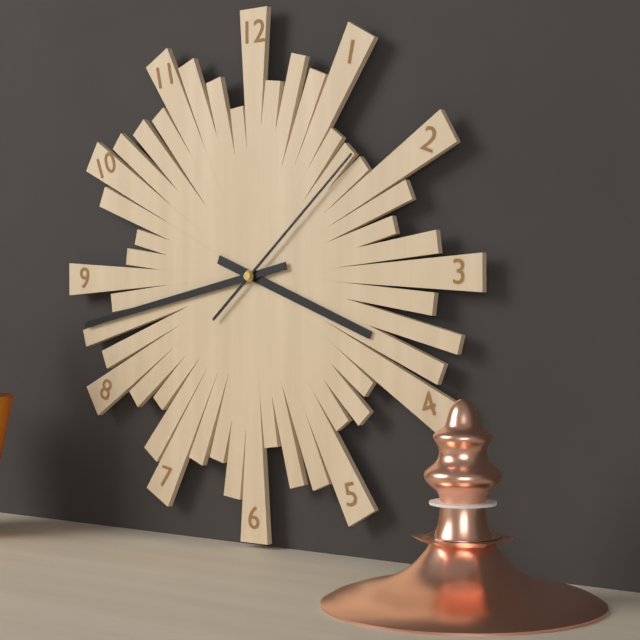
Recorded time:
{"hour": 3, "minute": 43, "second": 8}
